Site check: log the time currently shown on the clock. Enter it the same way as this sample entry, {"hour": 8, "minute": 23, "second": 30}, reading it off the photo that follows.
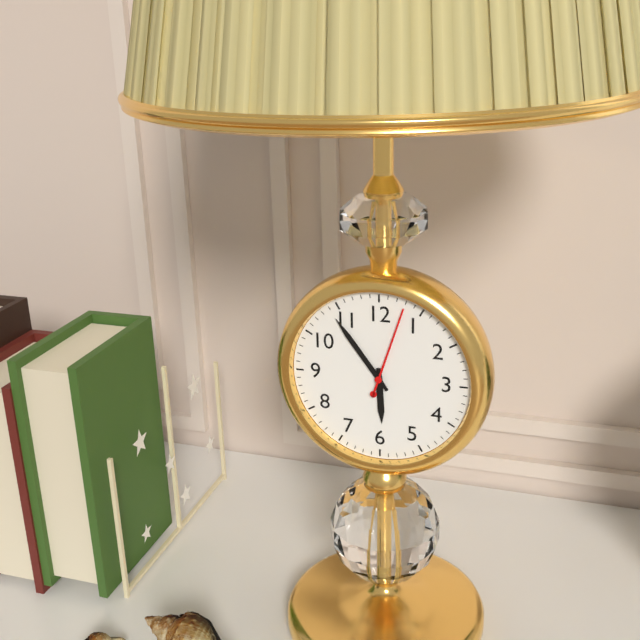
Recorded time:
{"hour": 5, "minute": 54, "second": 3}
